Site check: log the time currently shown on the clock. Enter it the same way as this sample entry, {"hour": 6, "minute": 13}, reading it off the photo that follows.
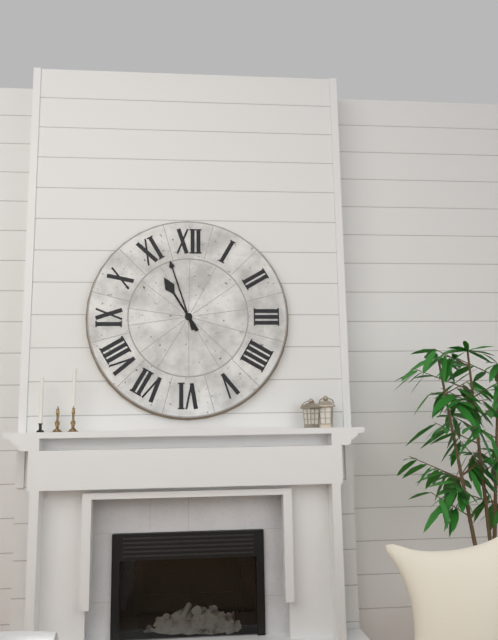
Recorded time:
{"hour": 10, "minute": 57}
